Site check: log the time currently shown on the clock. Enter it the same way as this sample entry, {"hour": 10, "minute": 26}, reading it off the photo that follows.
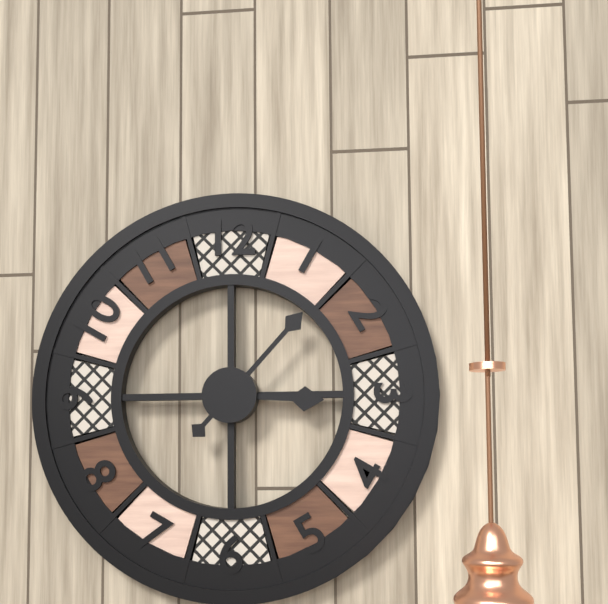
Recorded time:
{"hour": 3, "minute": 7}
